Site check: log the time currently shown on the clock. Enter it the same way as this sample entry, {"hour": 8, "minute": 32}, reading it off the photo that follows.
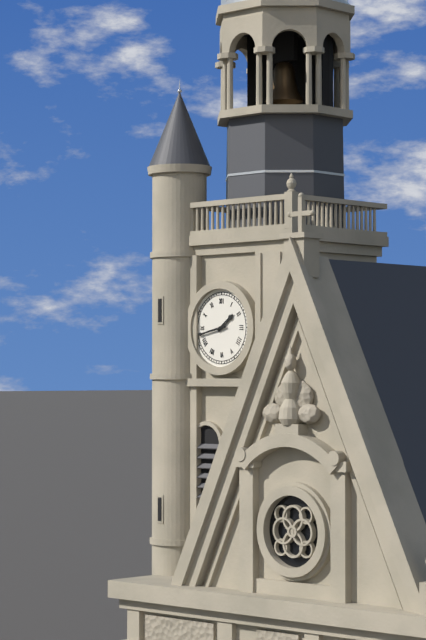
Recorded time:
{"hour": 1, "minute": 43}
